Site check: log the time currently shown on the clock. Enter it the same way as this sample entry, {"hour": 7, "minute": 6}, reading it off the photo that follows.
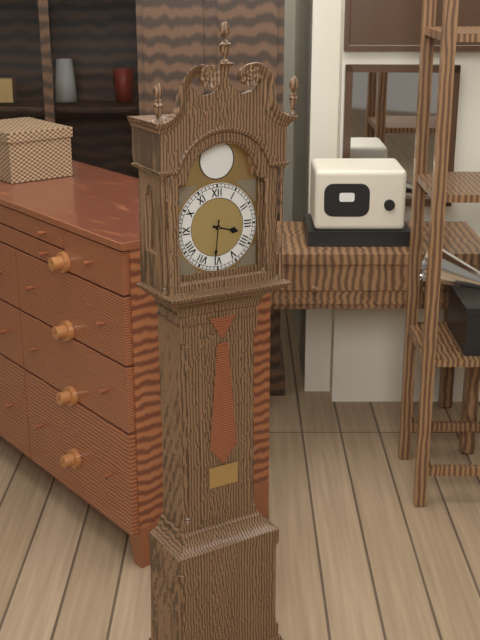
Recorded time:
{"hour": 3, "minute": 31}
